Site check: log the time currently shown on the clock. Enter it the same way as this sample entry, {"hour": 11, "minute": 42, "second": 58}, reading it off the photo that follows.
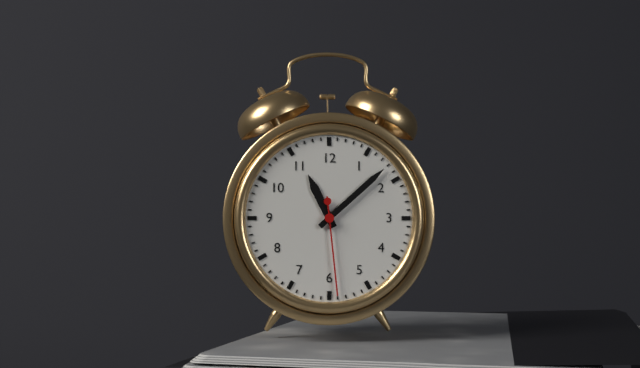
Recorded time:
{"hour": 11, "minute": 8, "second": 29}
